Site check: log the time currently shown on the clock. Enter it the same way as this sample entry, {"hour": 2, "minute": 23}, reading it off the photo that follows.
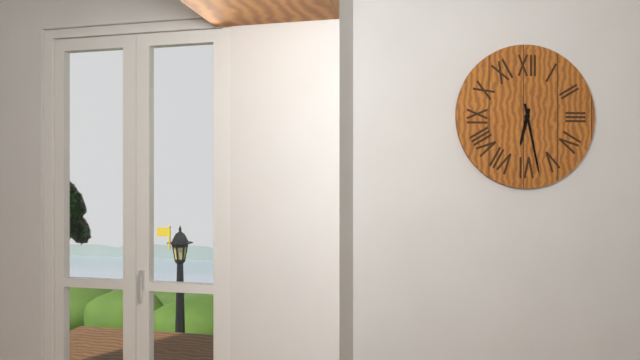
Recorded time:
{"hour": 6, "minute": 28}
